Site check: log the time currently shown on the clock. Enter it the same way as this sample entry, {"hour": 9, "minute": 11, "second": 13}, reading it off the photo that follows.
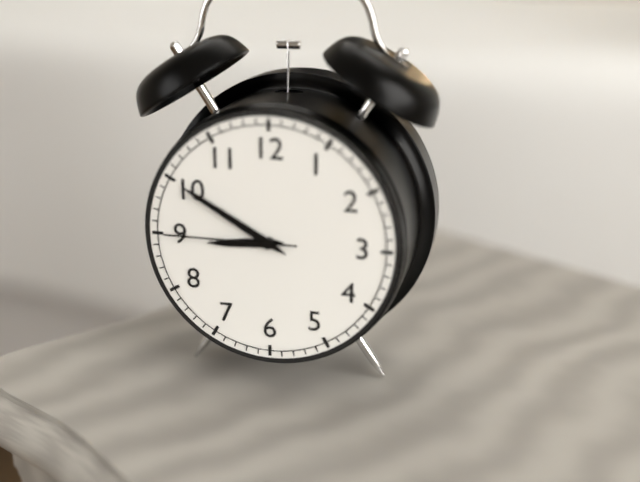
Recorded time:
{"hour": 8, "minute": 50, "second": 45}
